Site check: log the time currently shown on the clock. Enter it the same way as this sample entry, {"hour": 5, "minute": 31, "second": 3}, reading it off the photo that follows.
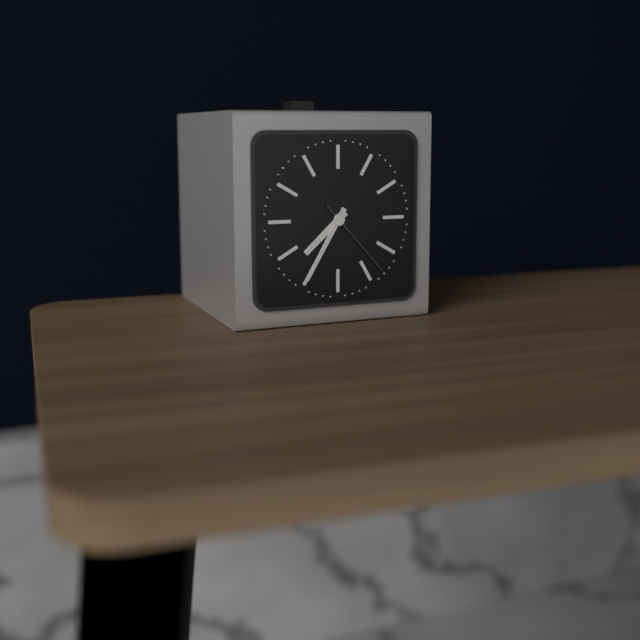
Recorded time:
{"hour": 7, "minute": 35, "second": 23}
